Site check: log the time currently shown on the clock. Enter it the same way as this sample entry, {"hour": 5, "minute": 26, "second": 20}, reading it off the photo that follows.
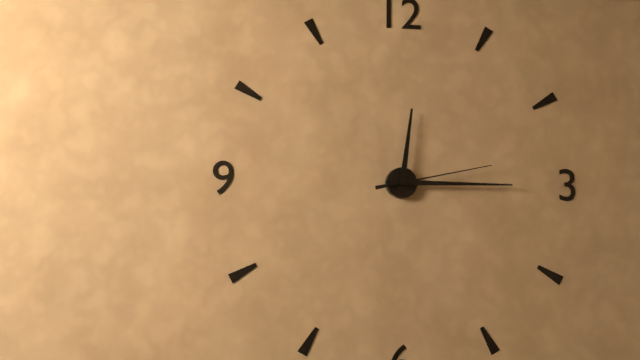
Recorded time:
{"hour": 12, "minute": 15, "second": 13}
